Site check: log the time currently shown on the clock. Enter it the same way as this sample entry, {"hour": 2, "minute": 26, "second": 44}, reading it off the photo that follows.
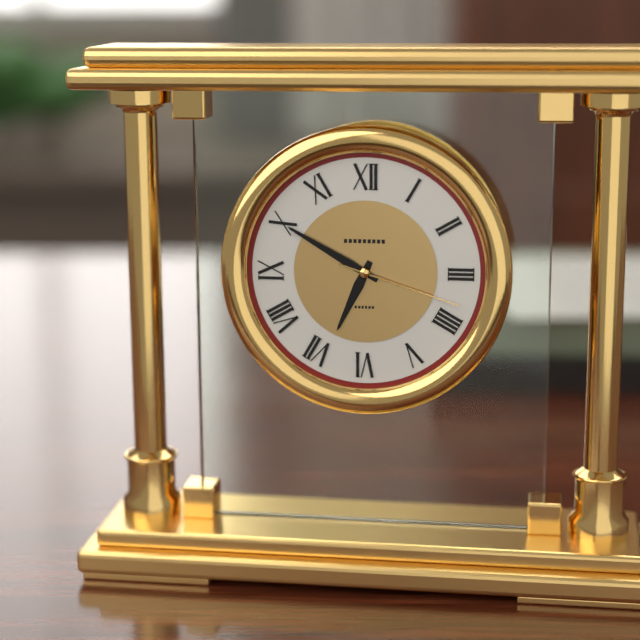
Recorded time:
{"hour": 6, "minute": 50, "second": 18}
